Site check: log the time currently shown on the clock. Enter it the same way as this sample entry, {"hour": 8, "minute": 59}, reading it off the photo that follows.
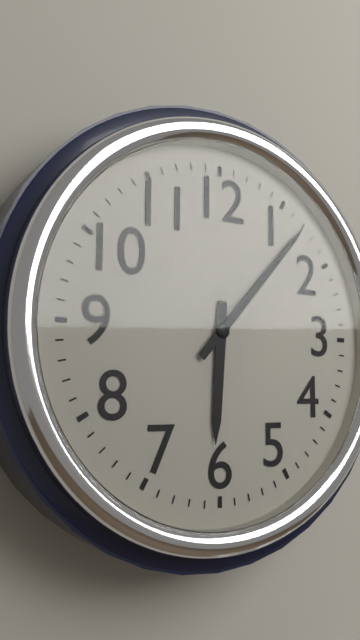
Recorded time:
{"hour": 6, "minute": 7}
